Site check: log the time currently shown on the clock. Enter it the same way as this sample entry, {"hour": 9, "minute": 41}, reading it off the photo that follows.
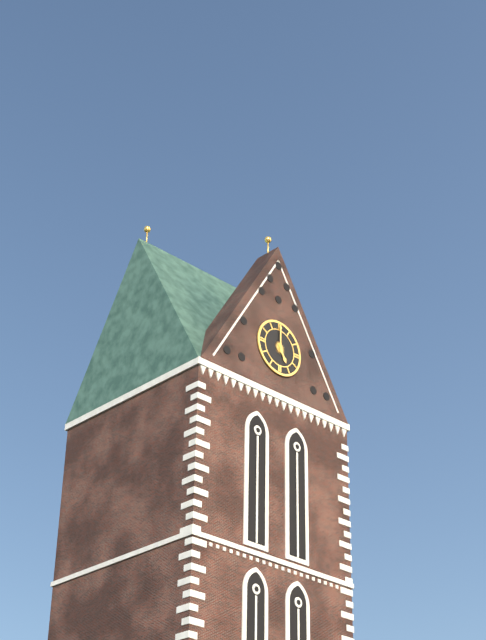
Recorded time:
{"hour": 5, "minute": 0}
